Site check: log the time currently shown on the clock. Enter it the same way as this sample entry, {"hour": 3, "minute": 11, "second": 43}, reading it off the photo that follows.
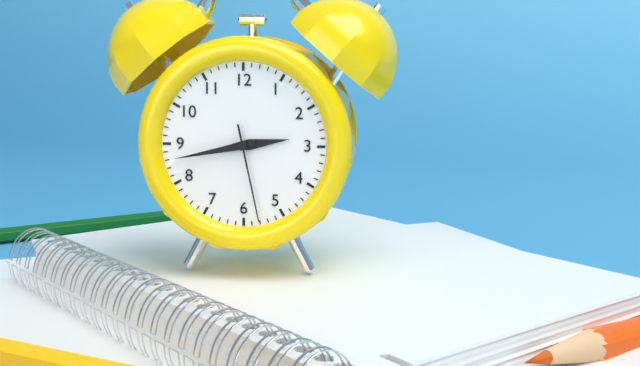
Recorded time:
{"hour": 2, "minute": 43, "second": 28}
